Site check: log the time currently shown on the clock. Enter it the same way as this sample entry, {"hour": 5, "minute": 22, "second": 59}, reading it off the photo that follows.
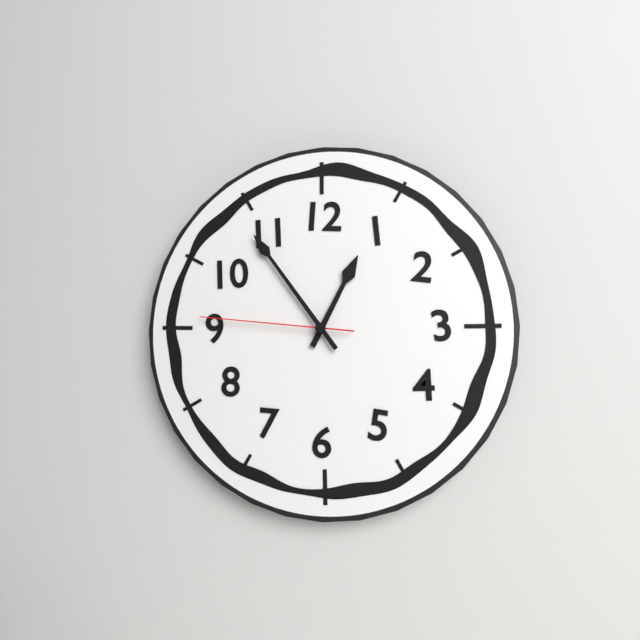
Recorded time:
{"hour": 12, "minute": 54, "second": 46}
